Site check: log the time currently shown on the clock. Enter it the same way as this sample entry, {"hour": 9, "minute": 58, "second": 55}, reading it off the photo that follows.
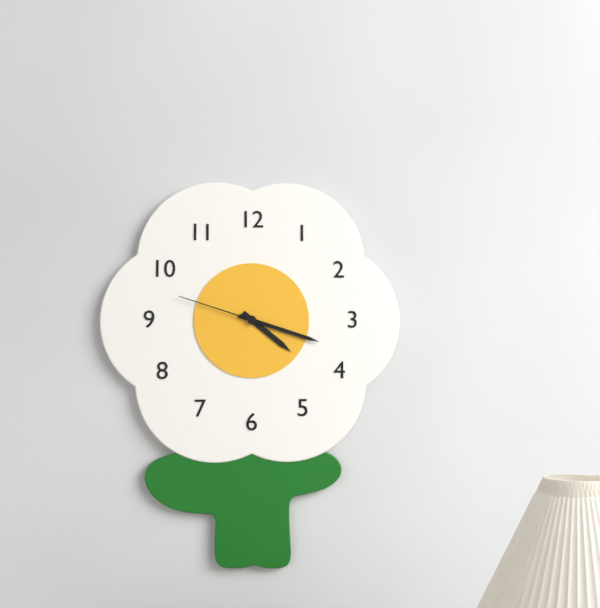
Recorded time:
{"hour": 4, "minute": 18, "second": 48}
